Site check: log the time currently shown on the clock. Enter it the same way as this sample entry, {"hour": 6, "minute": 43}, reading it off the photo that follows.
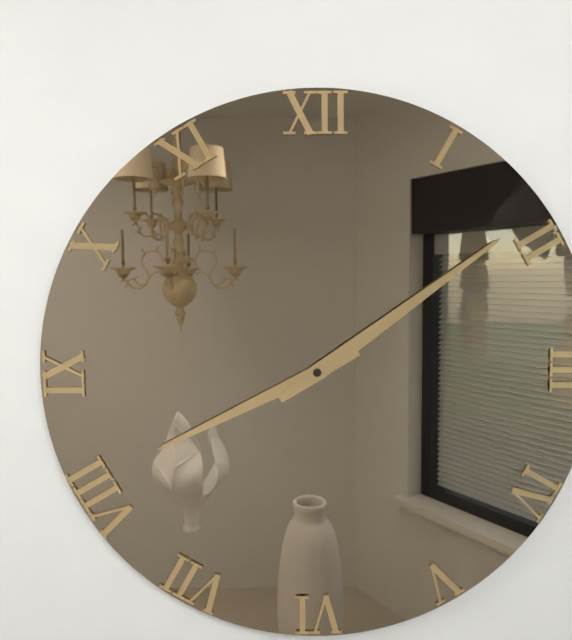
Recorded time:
{"hour": 8, "minute": 9}
